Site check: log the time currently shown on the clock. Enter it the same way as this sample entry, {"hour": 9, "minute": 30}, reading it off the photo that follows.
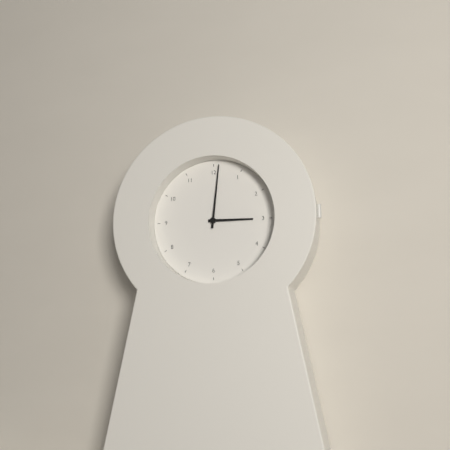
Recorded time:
{"hour": 3, "minute": 1}
